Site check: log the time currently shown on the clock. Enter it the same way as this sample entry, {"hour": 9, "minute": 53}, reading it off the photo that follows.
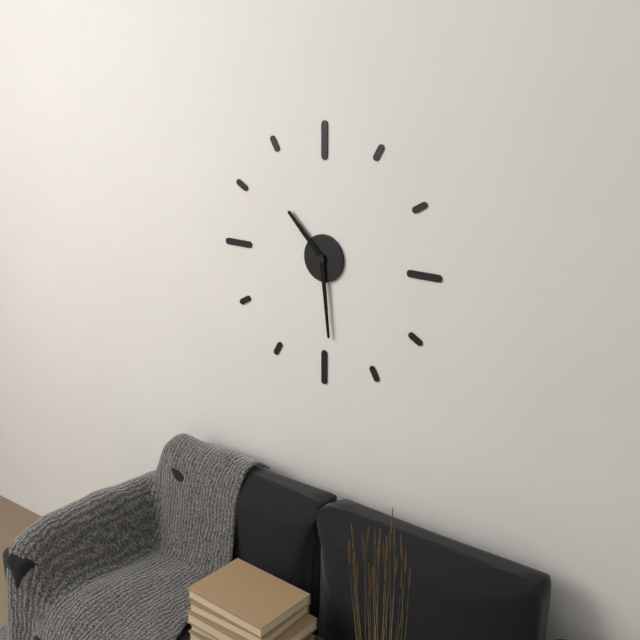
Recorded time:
{"hour": 10, "minute": 29}
